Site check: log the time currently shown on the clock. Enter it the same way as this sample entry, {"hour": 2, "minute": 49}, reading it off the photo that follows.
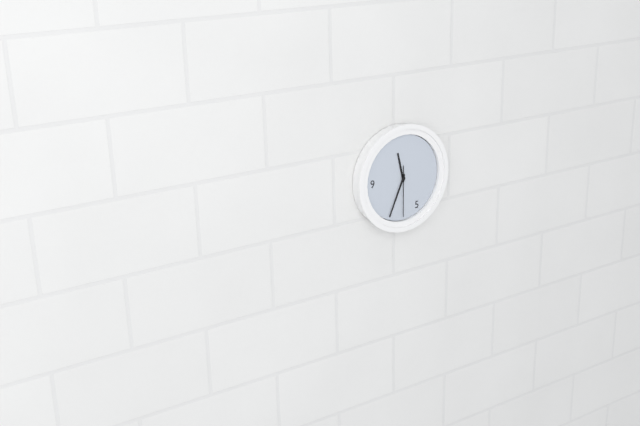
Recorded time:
{"hour": 11, "minute": 34}
